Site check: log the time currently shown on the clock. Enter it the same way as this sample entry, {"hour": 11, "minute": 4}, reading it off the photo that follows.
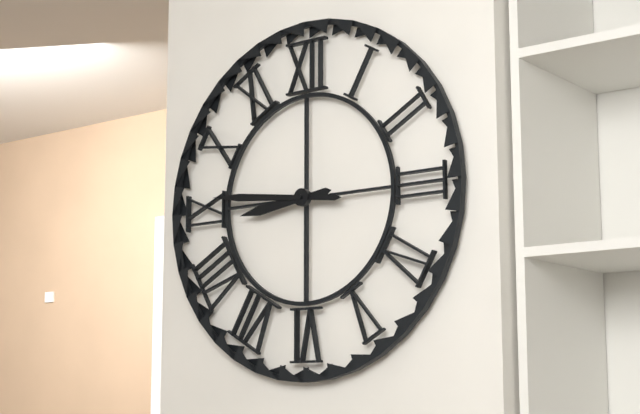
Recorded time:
{"hour": 8, "minute": 46}
